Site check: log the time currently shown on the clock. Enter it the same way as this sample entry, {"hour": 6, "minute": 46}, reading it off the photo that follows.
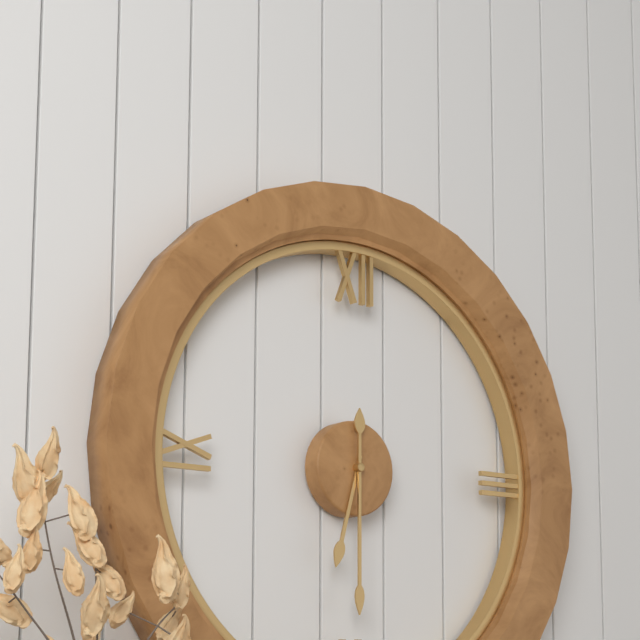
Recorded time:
{"hour": 6, "minute": 30}
